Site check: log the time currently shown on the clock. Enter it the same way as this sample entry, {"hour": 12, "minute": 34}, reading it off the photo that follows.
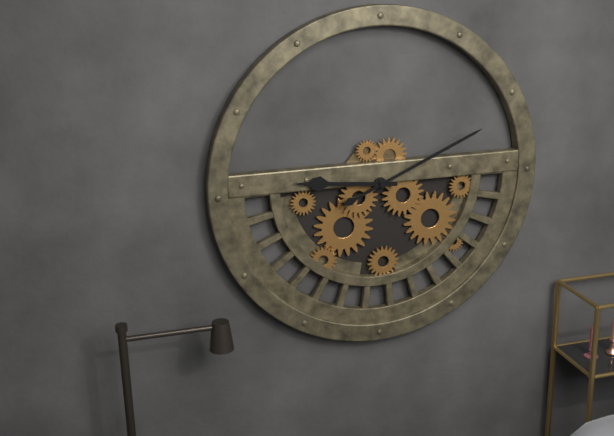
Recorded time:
{"hour": 9, "minute": 11}
